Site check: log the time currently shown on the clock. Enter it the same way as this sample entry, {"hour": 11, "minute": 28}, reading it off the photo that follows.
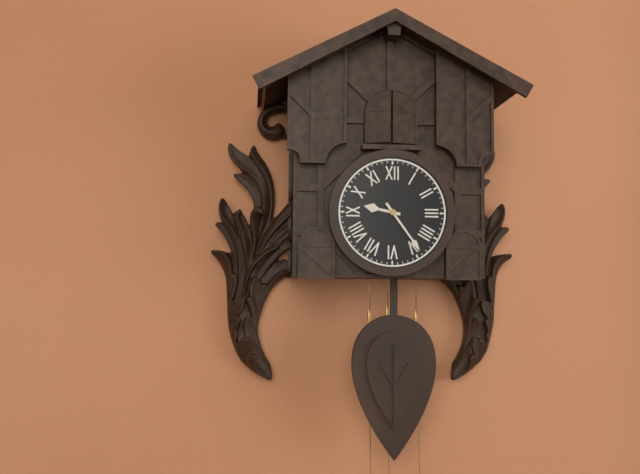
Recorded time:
{"hour": 9, "minute": 24}
